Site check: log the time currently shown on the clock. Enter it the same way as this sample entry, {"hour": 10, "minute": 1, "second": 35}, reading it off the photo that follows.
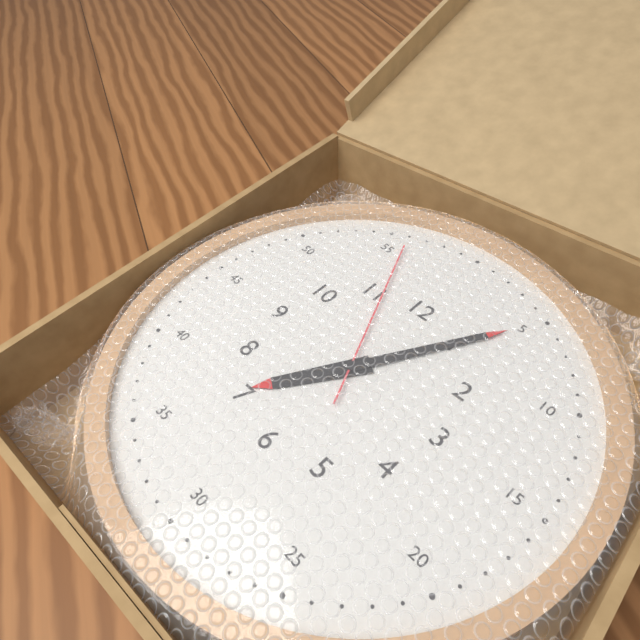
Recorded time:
{"hour": 7, "minute": 5, "second": 56}
